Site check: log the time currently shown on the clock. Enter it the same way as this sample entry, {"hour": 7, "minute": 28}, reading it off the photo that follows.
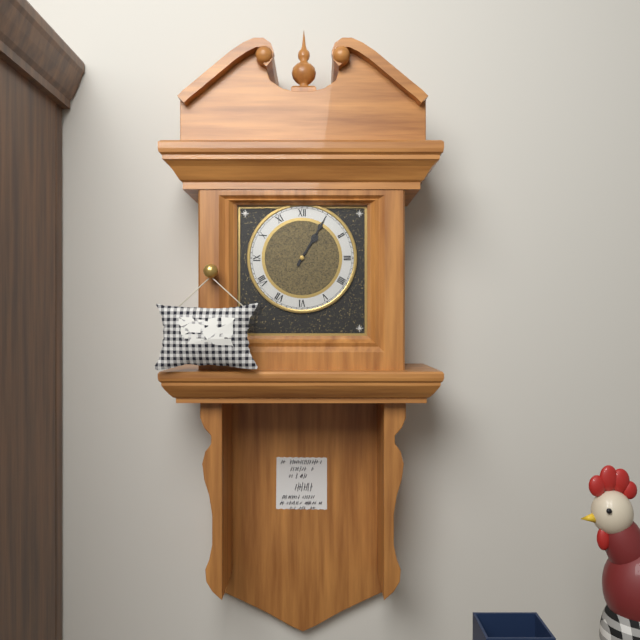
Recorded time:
{"hour": 1, "minute": 5}
